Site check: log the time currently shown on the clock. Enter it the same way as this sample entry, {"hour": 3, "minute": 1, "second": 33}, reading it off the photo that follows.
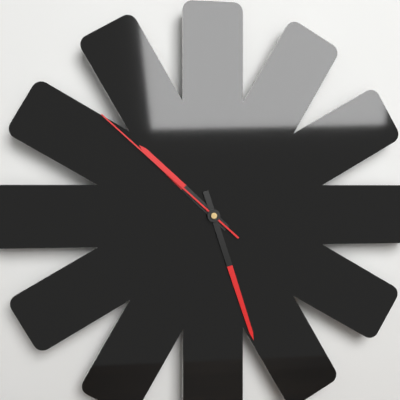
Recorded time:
{"hour": 10, "minute": 27, "second": 52}
